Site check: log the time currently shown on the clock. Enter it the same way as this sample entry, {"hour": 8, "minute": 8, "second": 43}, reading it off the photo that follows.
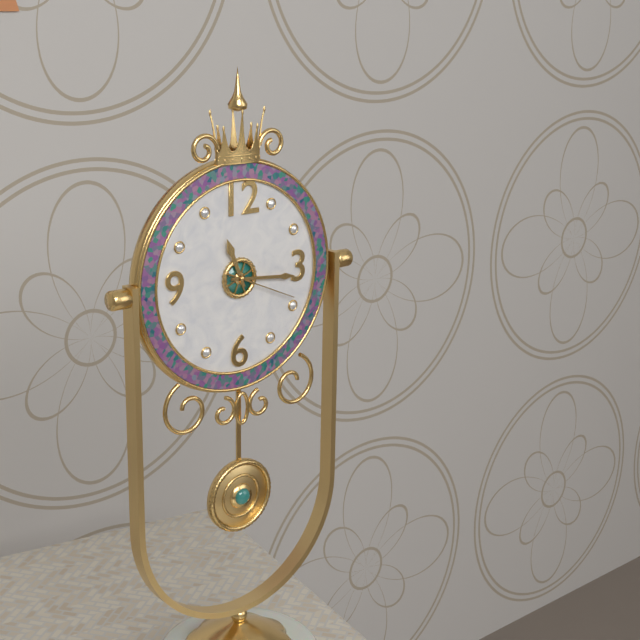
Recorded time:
{"hour": 11, "minute": 16, "second": 19}
